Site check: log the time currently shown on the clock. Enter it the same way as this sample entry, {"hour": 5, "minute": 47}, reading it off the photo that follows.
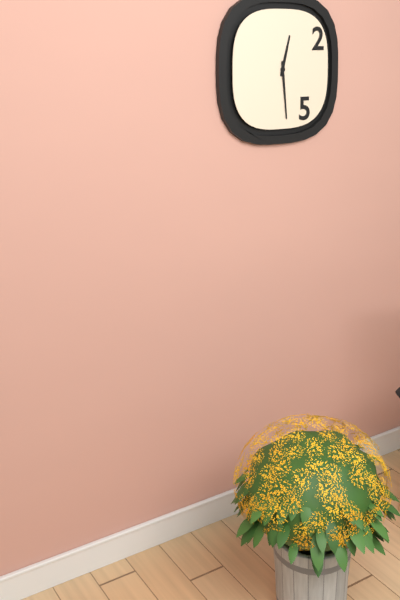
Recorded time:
{"hour": 12, "minute": 29}
